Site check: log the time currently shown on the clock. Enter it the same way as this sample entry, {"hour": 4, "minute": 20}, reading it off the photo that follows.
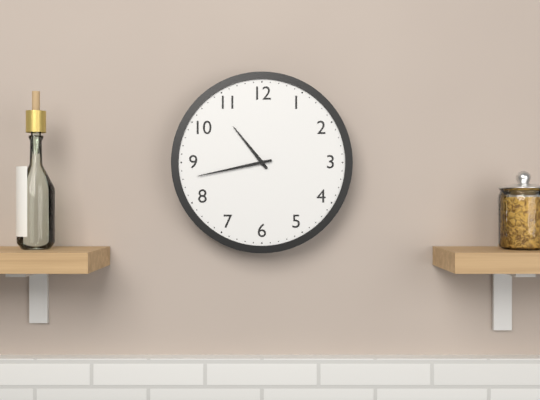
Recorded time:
{"hour": 10, "minute": 43}
